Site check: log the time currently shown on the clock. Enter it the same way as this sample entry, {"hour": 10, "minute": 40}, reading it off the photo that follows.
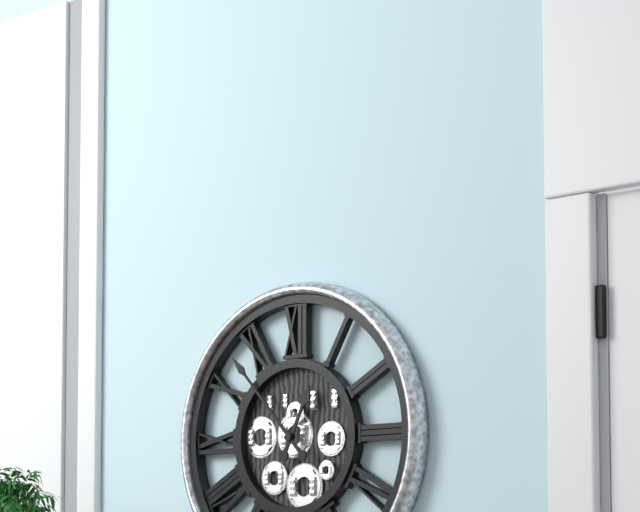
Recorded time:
{"hour": 12, "minute": 53}
